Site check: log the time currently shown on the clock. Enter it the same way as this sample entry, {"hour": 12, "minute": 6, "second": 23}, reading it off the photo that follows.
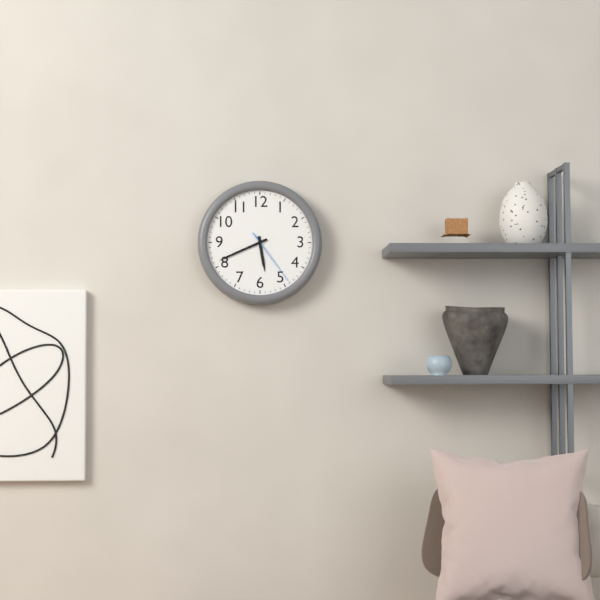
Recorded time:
{"hour": 5, "minute": 41, "second": 24}
